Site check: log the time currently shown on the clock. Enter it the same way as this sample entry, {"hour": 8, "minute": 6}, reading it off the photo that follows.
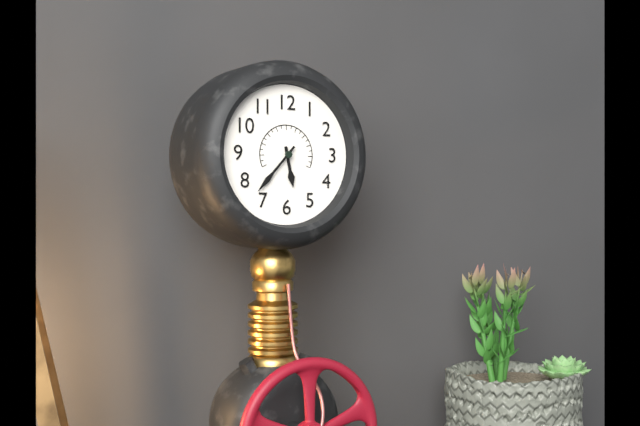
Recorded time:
{"hour": 5, "minute": 37}
